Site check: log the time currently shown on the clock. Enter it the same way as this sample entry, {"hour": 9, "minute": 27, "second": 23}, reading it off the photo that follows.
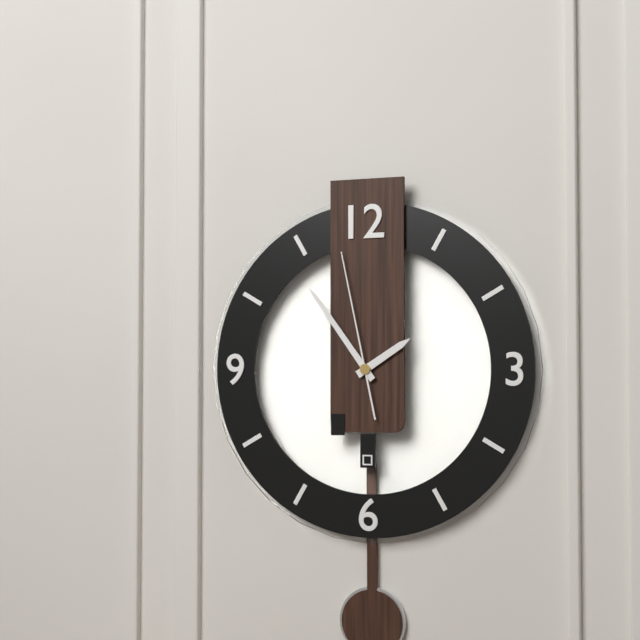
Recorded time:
{"hour": 1, "minute": 54, "second": 58}
